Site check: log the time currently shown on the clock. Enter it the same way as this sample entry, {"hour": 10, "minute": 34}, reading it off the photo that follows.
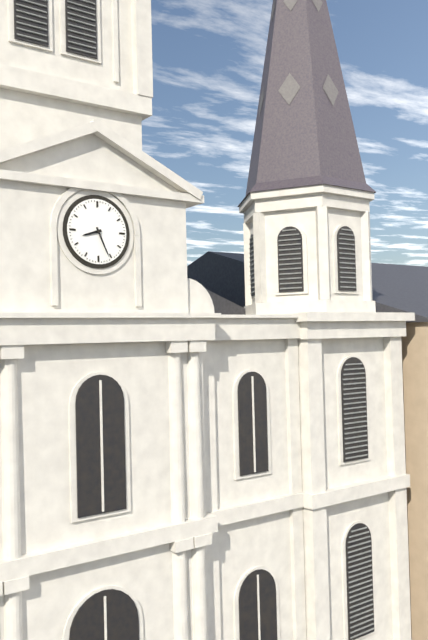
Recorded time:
{"hour": 8, "minute": 26}
